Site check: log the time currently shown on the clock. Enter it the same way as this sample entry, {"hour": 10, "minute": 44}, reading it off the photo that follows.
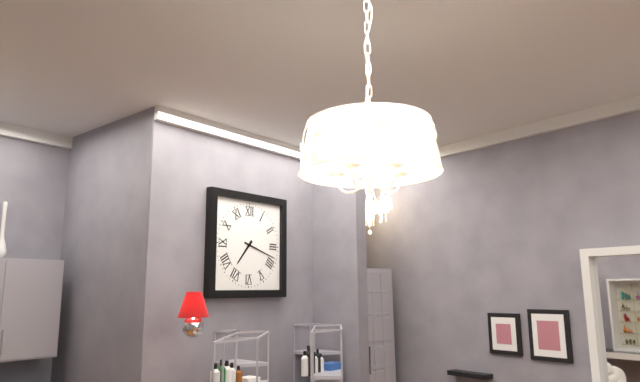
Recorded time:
{"hour": 7, "minute": 18}
